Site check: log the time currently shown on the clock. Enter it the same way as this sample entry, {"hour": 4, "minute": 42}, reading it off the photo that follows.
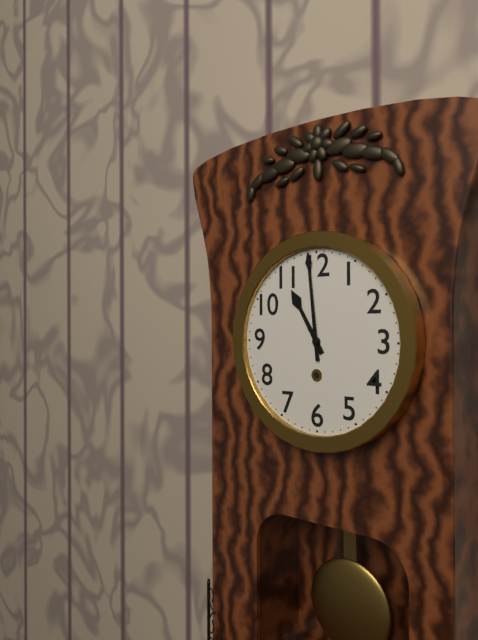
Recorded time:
{"hour": 10, "minute": 59}
